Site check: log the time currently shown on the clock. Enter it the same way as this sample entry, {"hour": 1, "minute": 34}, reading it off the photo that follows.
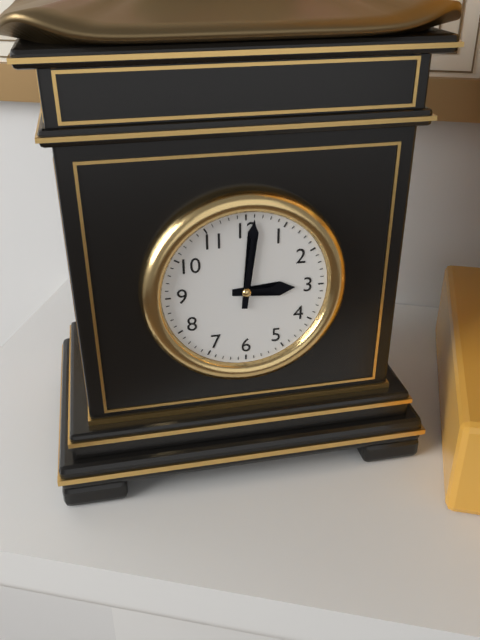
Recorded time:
{"hour": 3, "minute": 1}
